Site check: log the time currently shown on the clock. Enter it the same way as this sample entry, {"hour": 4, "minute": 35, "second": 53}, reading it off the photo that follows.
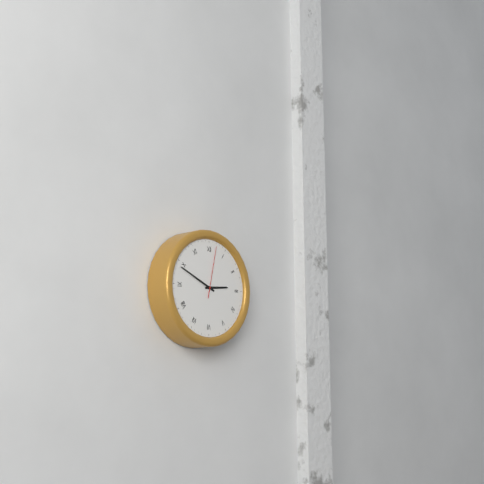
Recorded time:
{"hour": 2, "minute": 49, "second": 2}
